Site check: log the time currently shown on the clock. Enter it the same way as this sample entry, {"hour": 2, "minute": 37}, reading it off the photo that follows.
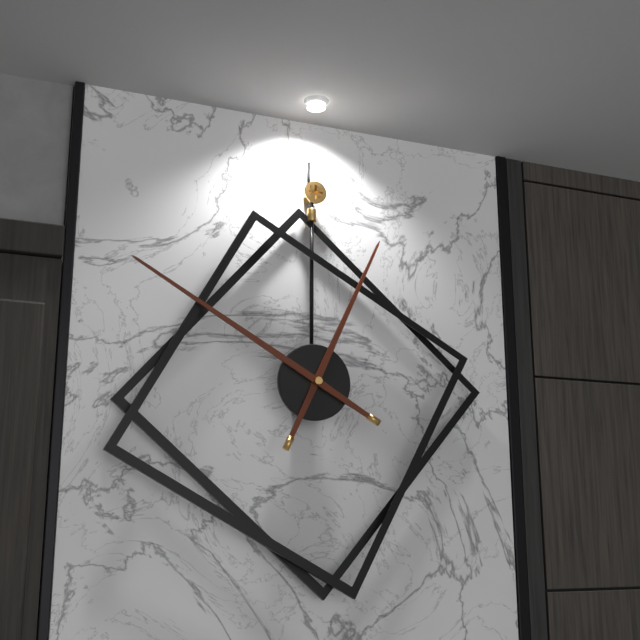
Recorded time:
{"hour": 12, "minute": 50}
